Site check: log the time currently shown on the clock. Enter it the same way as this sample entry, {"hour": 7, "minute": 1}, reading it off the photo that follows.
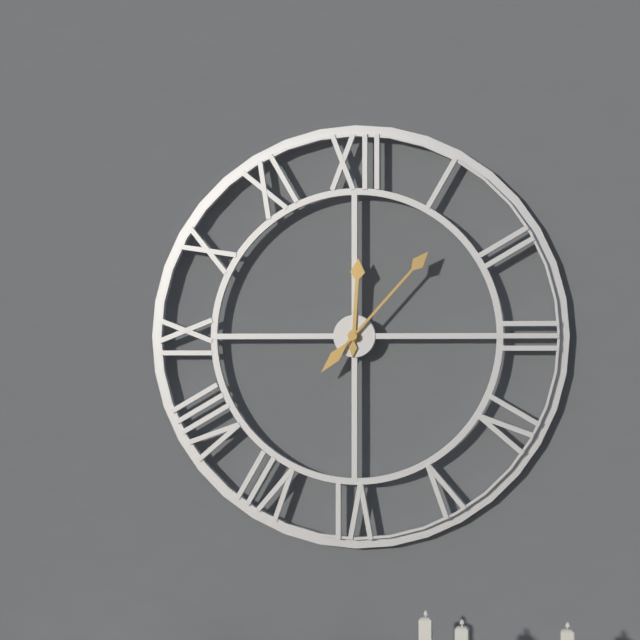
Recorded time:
{"hour": 12, "minute": 7}
